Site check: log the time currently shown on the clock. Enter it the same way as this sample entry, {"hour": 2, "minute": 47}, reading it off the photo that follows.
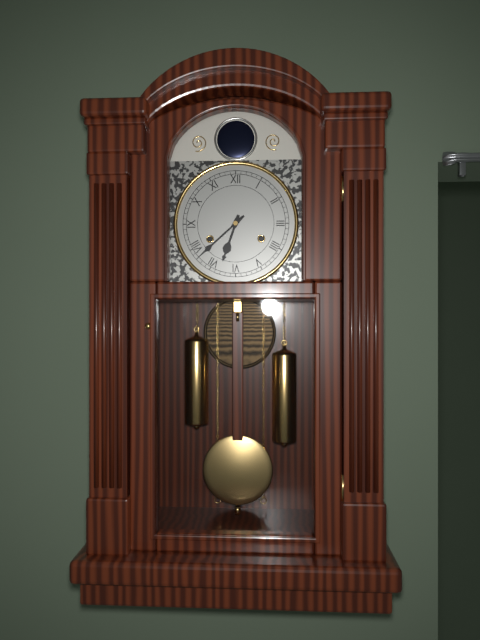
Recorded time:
{"hour": 6, "minute": 38}
